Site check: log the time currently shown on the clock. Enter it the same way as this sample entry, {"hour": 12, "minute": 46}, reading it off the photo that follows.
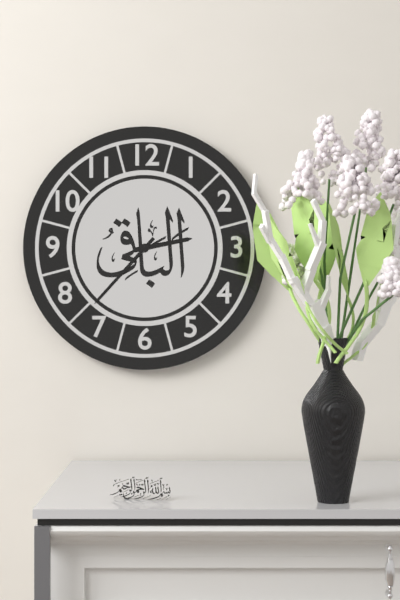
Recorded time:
{"hour": 2, "minute": 37}
